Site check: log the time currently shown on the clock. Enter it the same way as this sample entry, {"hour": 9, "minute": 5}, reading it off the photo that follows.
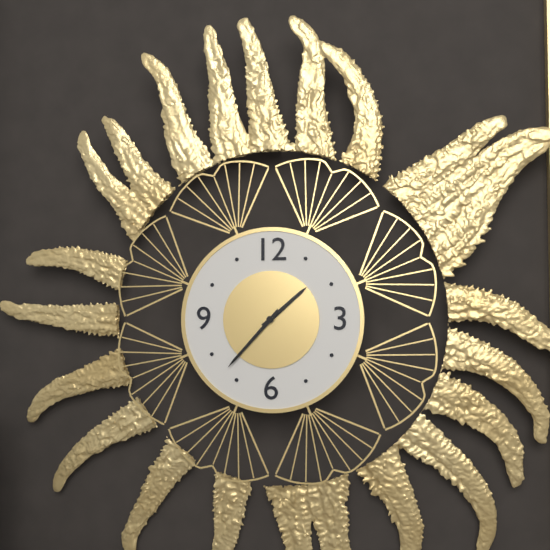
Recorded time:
{"hour": 1, "minute": 37}
